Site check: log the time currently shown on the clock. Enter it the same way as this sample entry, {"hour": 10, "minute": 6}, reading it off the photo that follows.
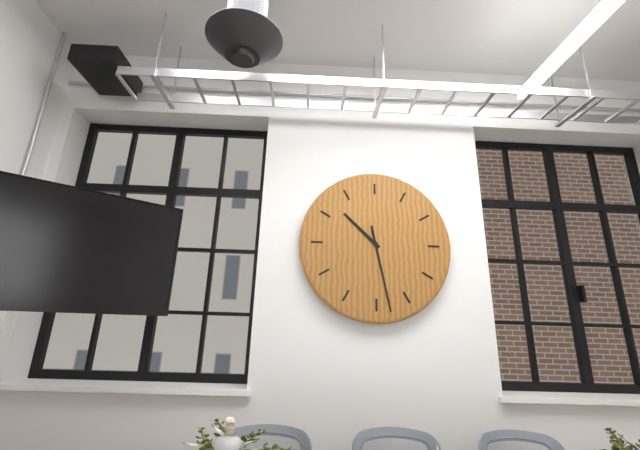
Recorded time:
{"hour": 10, "minute": 28}
